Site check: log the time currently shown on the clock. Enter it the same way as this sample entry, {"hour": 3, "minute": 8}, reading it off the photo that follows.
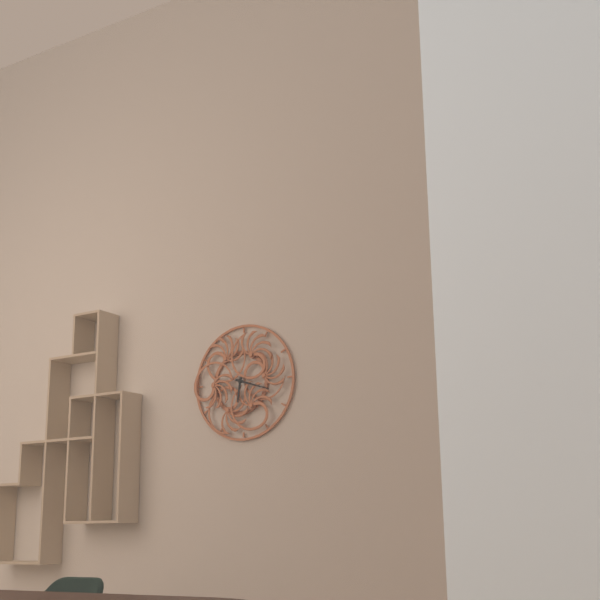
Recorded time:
{"hour": 6, "minute": 18}
